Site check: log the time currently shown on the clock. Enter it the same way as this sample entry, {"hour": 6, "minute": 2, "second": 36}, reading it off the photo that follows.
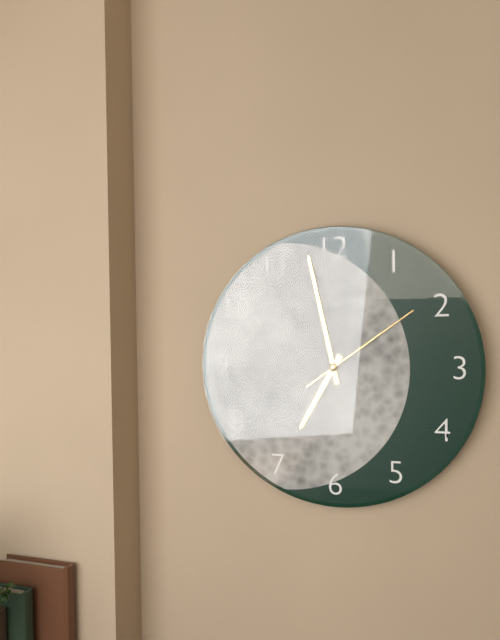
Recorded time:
{"hour": 6, "minute": 58, "second": 9}
